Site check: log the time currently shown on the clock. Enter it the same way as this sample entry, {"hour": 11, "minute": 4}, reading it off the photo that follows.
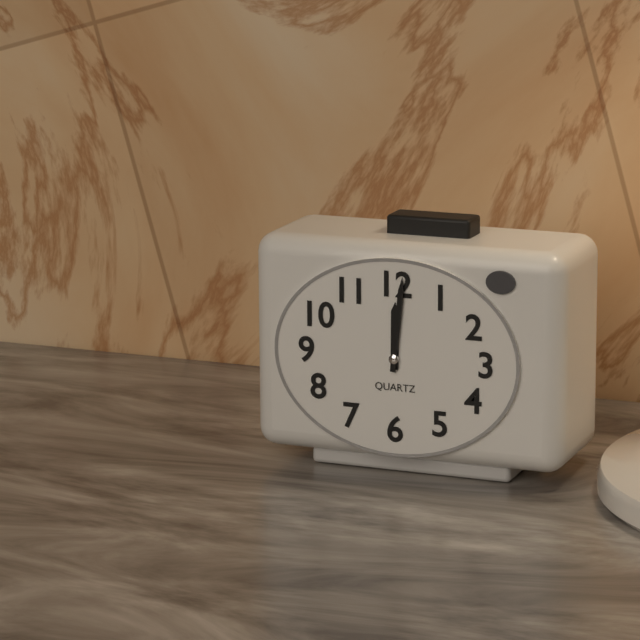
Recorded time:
{"hour": 12, "minute": 1}
